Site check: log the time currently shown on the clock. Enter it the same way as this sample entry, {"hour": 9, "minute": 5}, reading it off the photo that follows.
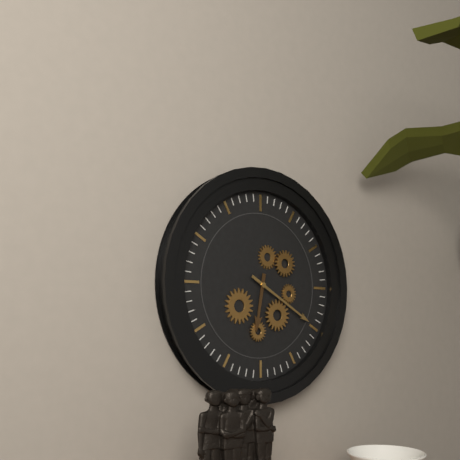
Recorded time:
{"hour": 6, "minute": 20}
